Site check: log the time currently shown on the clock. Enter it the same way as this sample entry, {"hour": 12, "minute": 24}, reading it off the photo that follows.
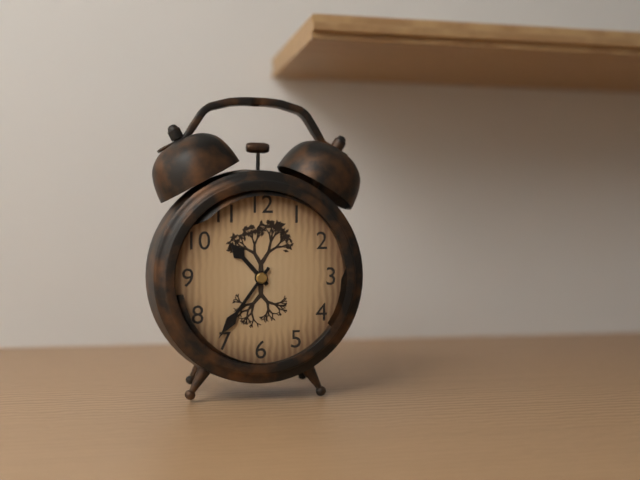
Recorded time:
{"hour": 10, "minute": 36}
